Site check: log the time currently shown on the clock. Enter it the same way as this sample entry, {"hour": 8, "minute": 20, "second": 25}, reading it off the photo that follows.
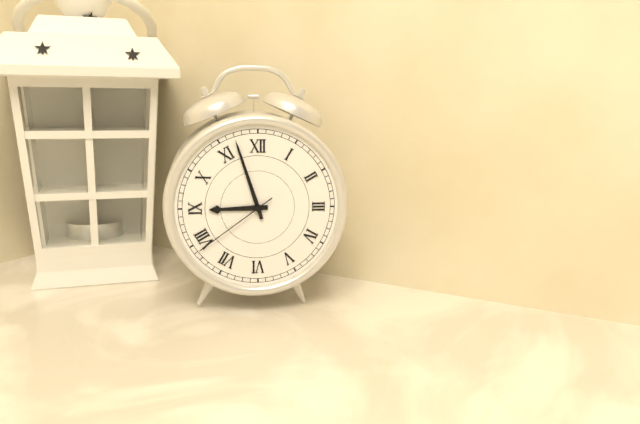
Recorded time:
{"hour": 8, "minute": 57, "second": 39}
